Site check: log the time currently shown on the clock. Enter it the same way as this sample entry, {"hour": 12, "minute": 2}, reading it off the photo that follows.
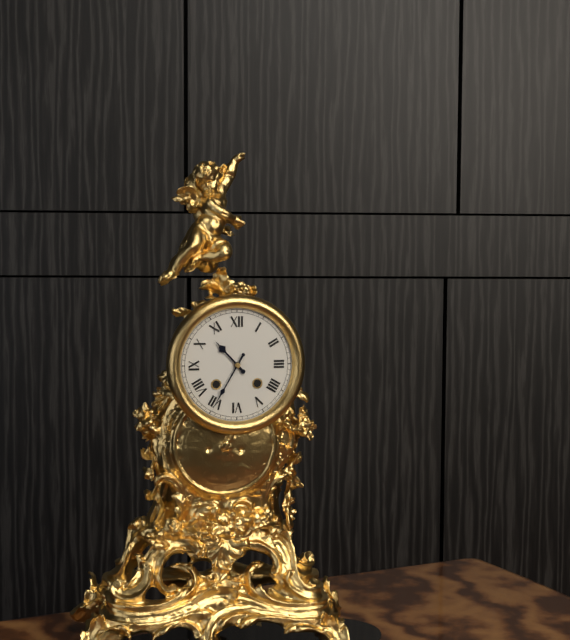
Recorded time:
{"hour": 10, "minute": 35}
